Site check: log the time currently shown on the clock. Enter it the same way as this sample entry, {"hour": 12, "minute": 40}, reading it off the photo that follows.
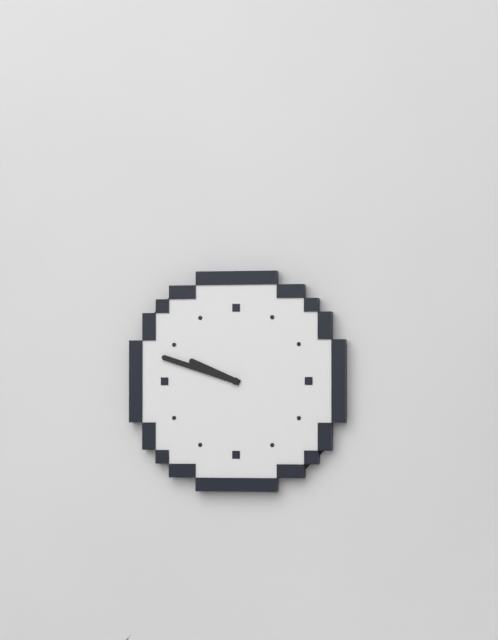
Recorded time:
{"hour": 9, "minute": 48}
